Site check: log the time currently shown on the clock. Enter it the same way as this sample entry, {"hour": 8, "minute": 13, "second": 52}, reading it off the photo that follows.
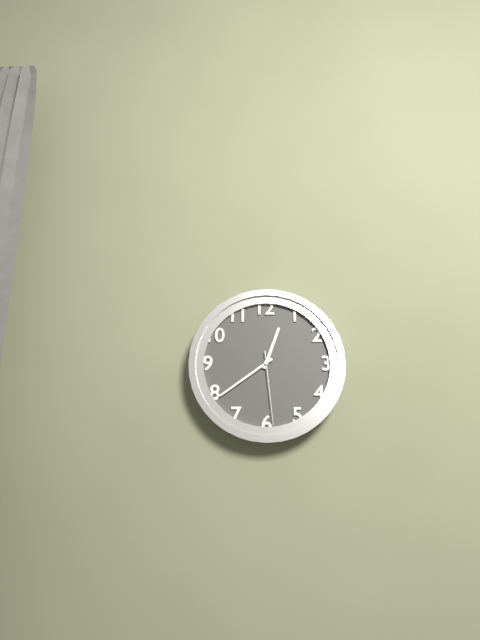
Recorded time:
{"hour": 12, "minute": 39, "second": 29}
